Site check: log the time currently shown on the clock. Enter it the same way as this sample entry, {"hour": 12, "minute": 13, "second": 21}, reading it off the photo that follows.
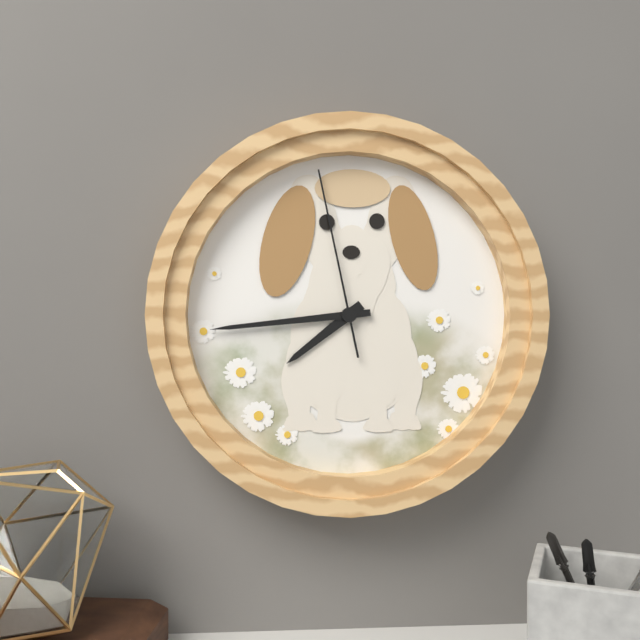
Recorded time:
{"hour": 7, "minute": 44, "second": 58}
